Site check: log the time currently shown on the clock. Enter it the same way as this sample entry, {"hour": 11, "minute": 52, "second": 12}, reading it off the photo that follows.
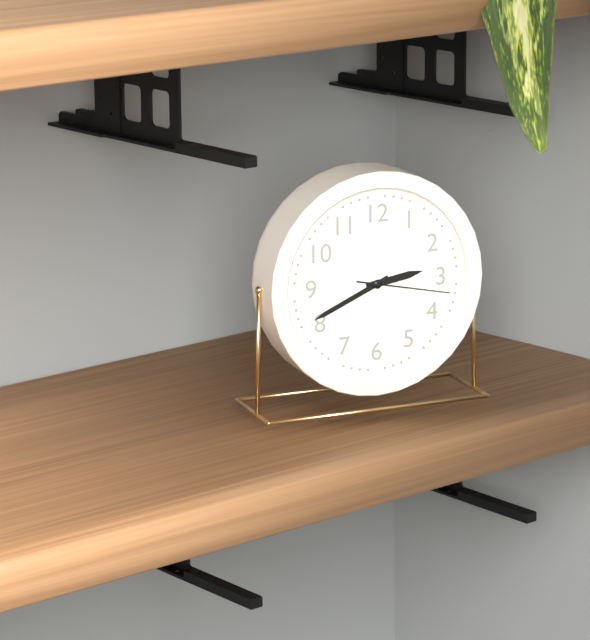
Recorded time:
{"hour": 2, "minute": 41, "second": 17}
